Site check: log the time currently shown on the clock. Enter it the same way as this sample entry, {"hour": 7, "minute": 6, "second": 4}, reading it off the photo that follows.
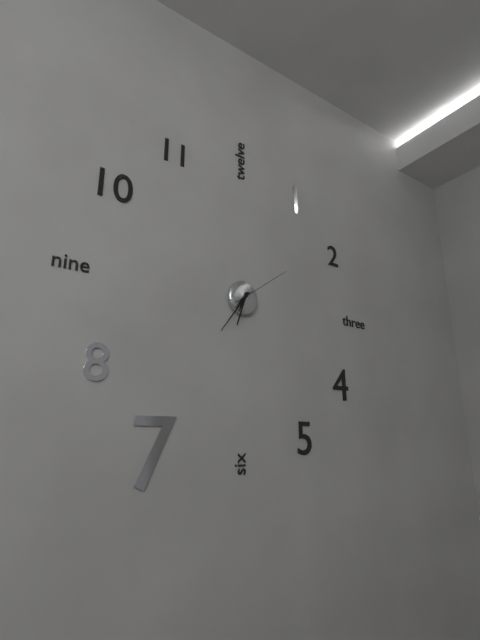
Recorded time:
{"hour": 6, "minute": 36, "second": 9}
